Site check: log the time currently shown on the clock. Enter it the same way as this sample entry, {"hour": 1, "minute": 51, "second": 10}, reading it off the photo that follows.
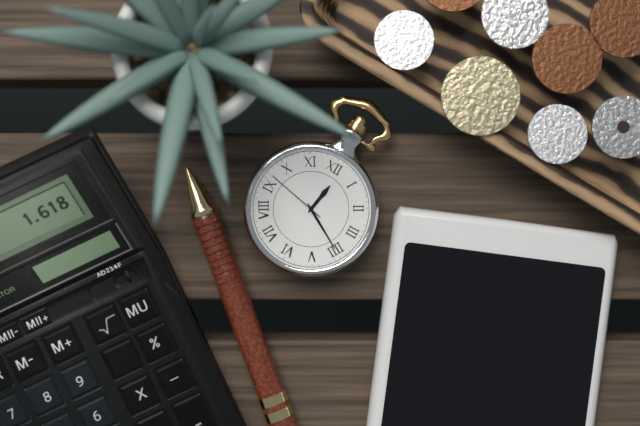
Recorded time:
{"hour": 12, "minute": 20, "second": 47}
